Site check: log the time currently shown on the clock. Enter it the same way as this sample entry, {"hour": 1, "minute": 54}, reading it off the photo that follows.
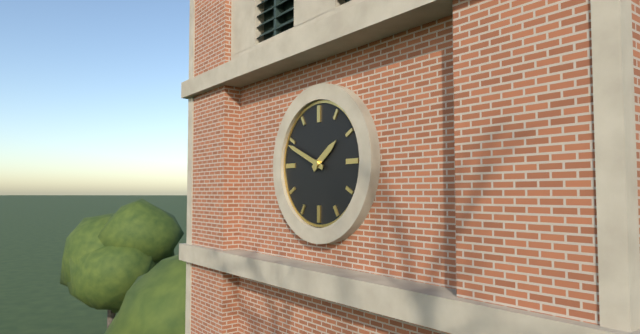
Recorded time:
{"hour": 1, "minute": 49}
